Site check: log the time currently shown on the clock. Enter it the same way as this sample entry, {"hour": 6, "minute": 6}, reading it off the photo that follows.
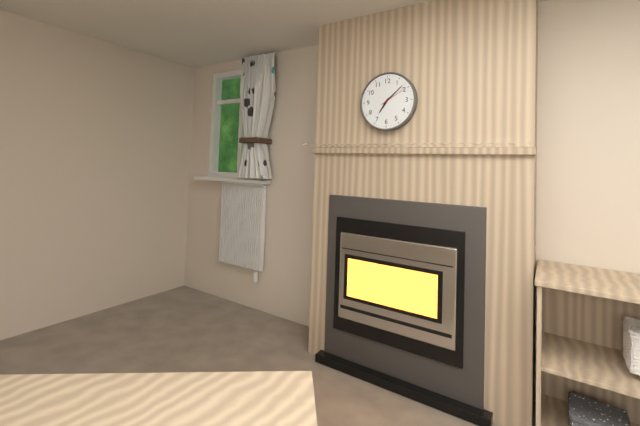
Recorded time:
{"hour": 7, "minute": 8}
